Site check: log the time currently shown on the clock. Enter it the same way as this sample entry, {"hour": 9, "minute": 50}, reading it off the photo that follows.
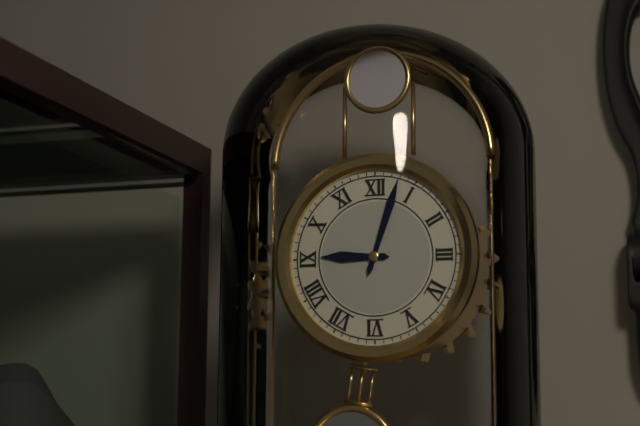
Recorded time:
{"hour": 9, "minute": 3}
